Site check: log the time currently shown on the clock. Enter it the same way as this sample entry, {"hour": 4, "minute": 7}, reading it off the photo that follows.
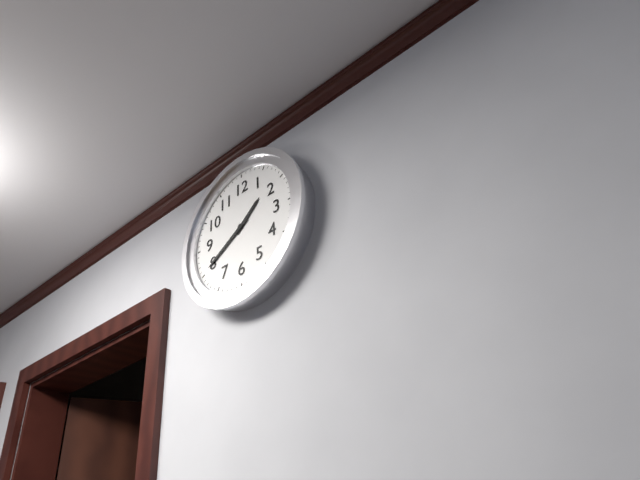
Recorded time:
{"hour": 1, "minute": 40}
